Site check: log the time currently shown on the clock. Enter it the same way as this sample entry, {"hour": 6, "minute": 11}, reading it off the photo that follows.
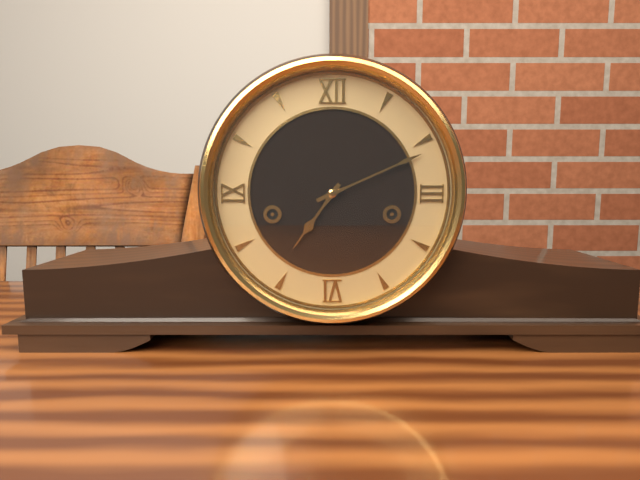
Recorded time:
{"hour": 7, "minute": 11}
